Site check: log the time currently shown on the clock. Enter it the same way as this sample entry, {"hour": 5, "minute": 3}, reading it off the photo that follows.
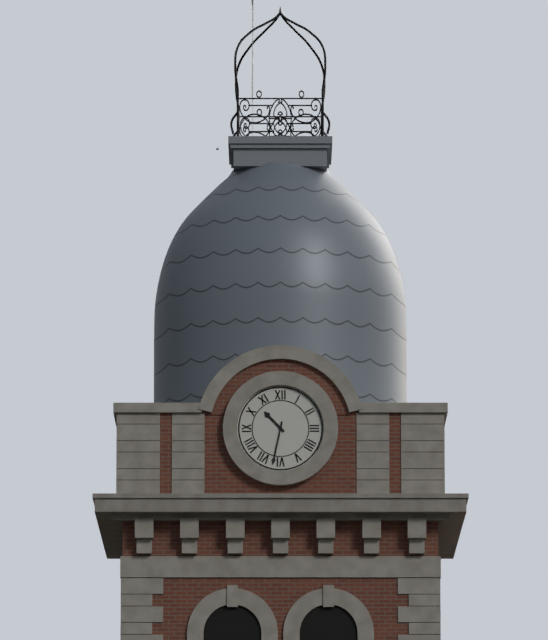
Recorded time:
{"hour": 10, "minute": 32}
